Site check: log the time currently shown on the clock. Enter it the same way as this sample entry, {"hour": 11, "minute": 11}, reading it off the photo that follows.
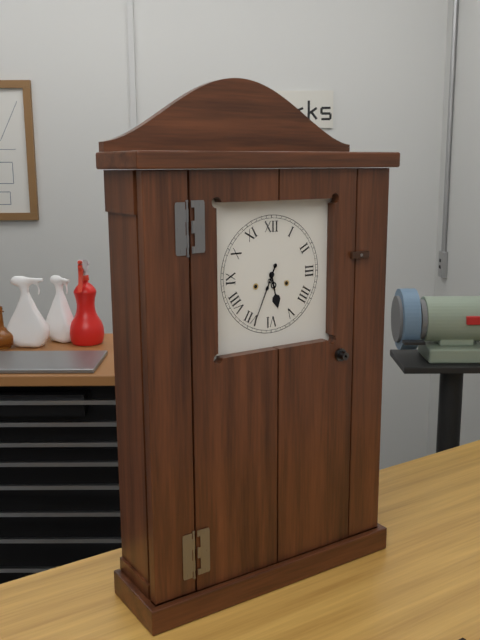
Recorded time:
{"hour": 5, "minute": 34}
